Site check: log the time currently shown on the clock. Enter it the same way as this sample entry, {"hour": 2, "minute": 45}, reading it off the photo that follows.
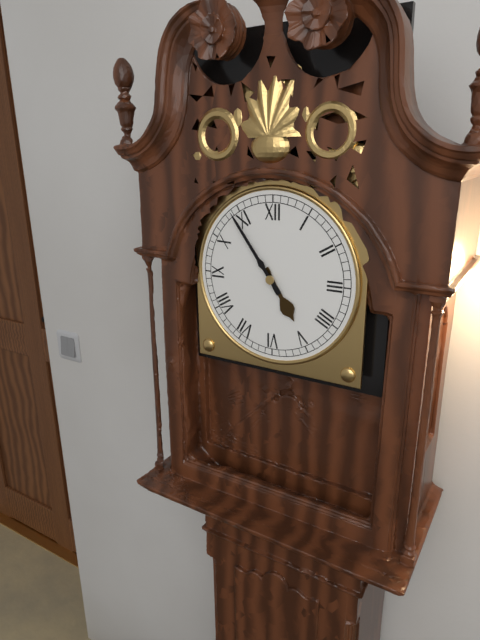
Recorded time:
{"hour": 4, "minute": 54}
